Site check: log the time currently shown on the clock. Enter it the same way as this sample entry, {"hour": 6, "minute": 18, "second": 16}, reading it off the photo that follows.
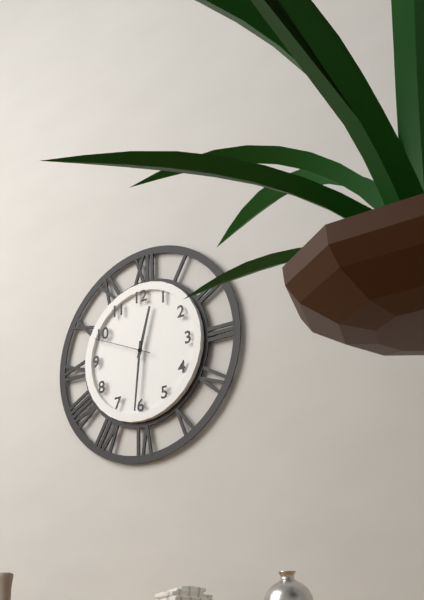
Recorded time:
{"hour": 12, "minute": 31, "second": 49}
